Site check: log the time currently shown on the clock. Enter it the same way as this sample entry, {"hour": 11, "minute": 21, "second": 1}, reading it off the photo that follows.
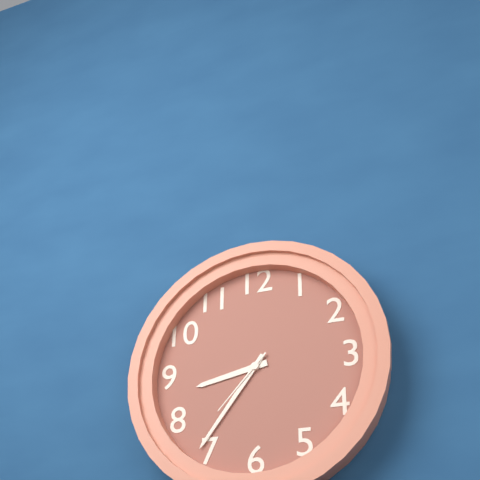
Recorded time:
{"hour": 8, "minute": 36, "second": 37}
